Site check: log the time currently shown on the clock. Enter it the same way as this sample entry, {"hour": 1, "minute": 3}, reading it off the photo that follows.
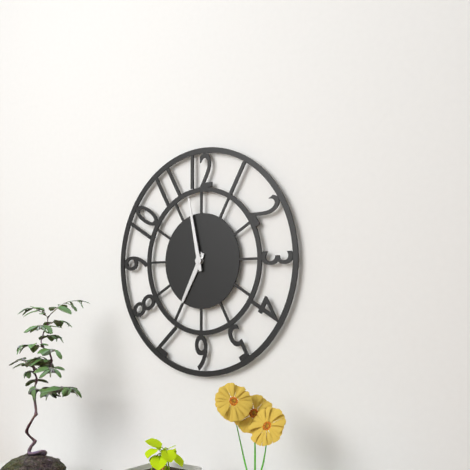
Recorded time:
{"hour": 6, "minute": 58}
